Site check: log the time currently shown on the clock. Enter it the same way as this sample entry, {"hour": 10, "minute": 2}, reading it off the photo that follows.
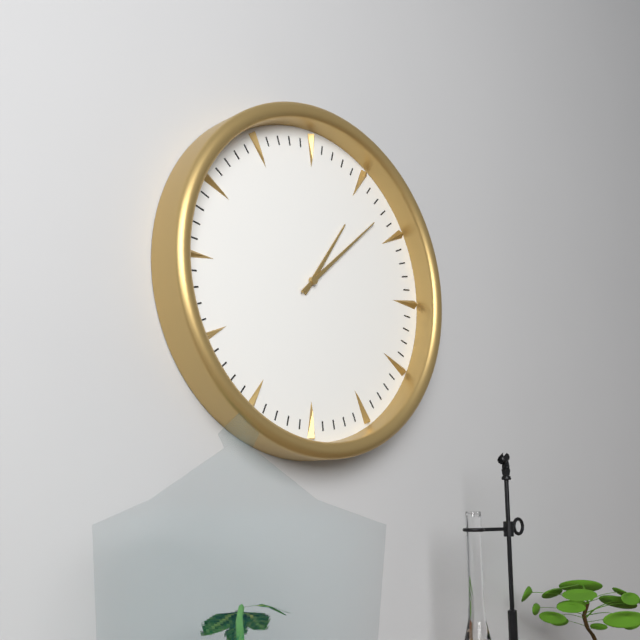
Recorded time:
{"hour": 1, "minute": 8}
